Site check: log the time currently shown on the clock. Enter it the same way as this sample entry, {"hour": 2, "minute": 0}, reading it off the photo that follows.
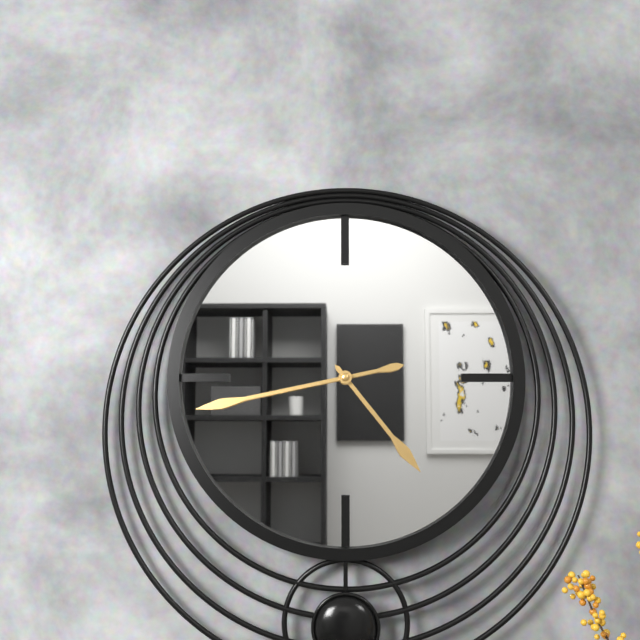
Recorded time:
{"hour": 4, "minute": 43}
